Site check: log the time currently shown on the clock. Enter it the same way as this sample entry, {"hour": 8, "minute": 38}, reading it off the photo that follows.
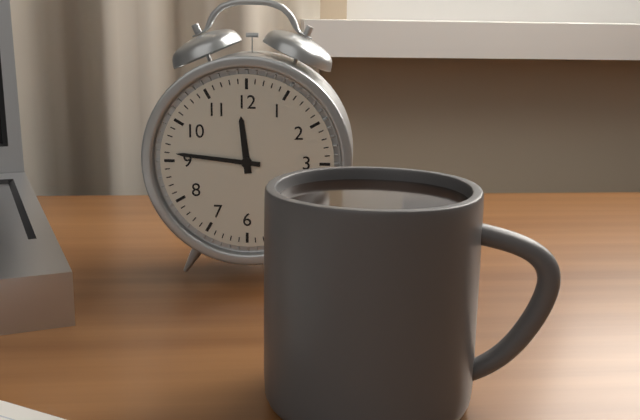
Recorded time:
{"hour": 11, "minute": 46}
